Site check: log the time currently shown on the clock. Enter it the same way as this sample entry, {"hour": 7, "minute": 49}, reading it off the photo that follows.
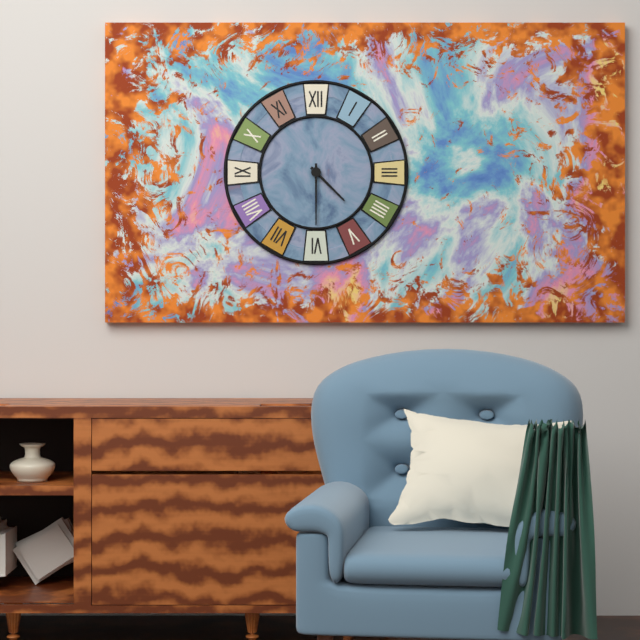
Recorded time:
{"hour": 4, "minute": 30}
